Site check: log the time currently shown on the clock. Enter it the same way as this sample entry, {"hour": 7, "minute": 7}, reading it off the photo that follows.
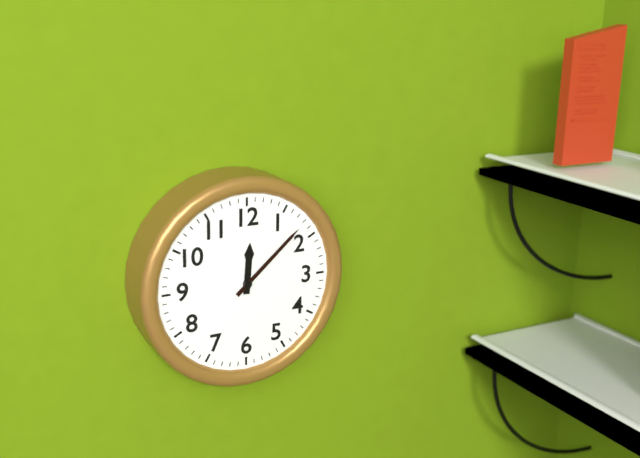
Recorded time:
{"hour": 12, "minute": 8}
